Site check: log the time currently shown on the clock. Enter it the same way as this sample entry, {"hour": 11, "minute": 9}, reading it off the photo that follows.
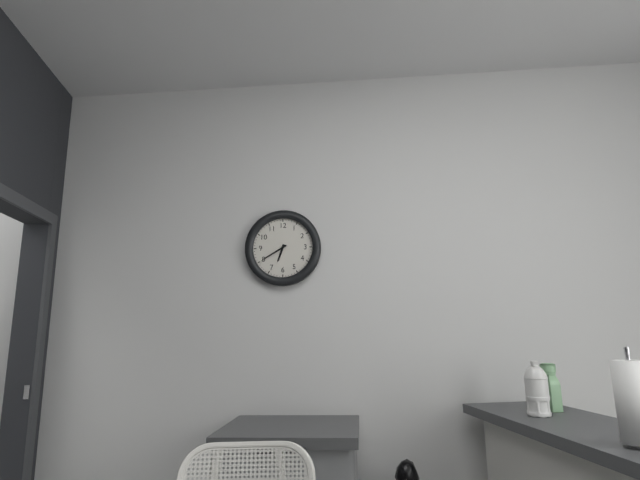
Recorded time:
{"hour": 6, "minute": 40}
